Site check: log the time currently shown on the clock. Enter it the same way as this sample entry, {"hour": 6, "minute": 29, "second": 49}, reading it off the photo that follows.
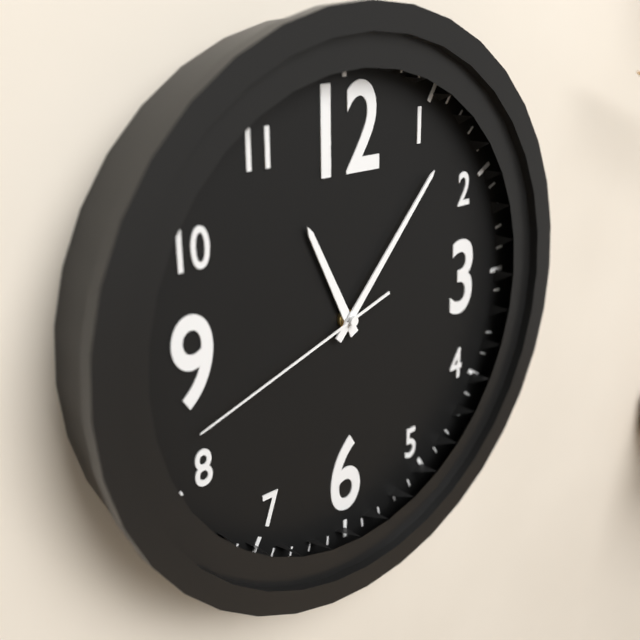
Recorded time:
{"hour": 11, "minute": 7, "second": 42}
